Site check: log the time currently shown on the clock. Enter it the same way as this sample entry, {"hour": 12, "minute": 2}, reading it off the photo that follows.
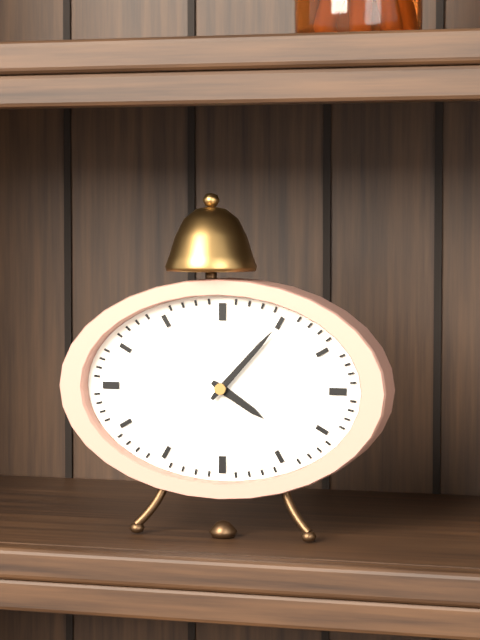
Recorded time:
{"hour": 4, "minute": 7}
